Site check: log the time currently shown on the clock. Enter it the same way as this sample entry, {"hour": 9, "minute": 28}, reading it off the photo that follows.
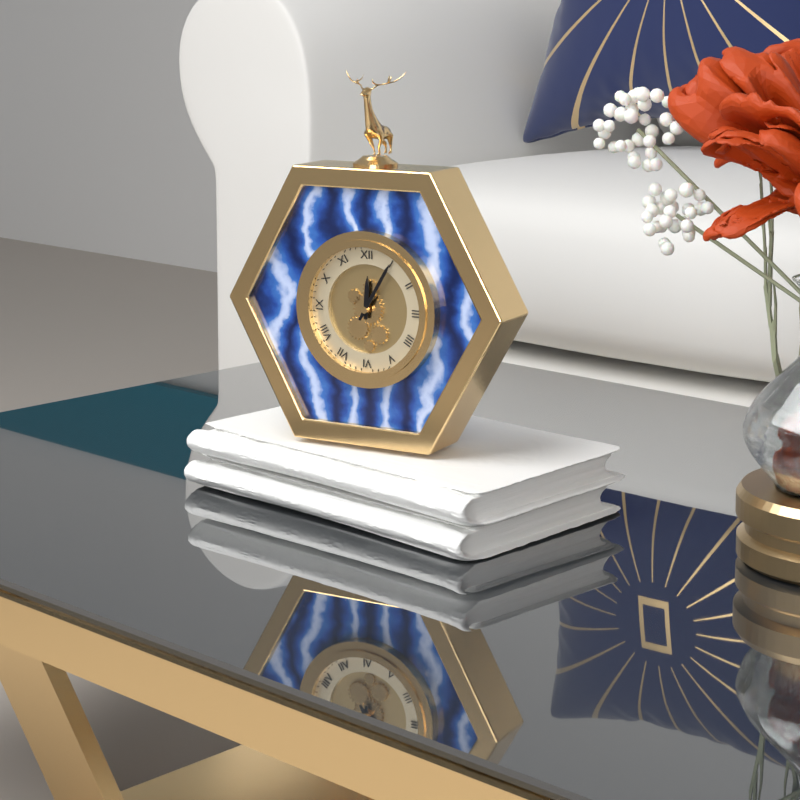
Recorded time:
{"hour": 12, "minute": 5}
